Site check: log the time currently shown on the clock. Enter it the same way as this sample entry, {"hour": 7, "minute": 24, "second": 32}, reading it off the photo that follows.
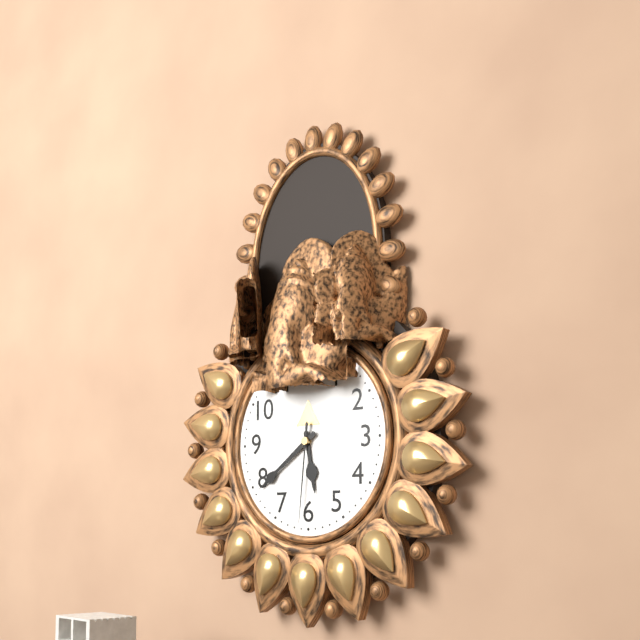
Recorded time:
{"hour": 5, "minute": 39, "second": 31}
